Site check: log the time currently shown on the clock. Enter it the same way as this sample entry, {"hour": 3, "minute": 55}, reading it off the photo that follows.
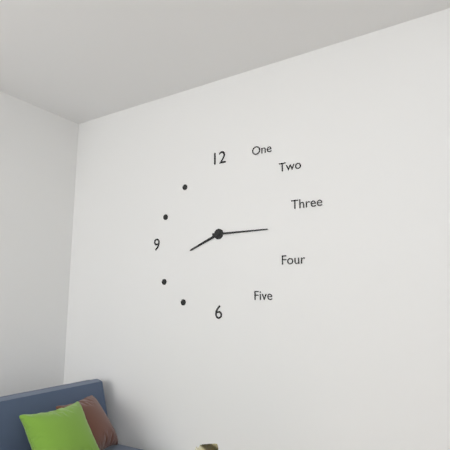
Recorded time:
{"hour": 8, "minute": 15}
